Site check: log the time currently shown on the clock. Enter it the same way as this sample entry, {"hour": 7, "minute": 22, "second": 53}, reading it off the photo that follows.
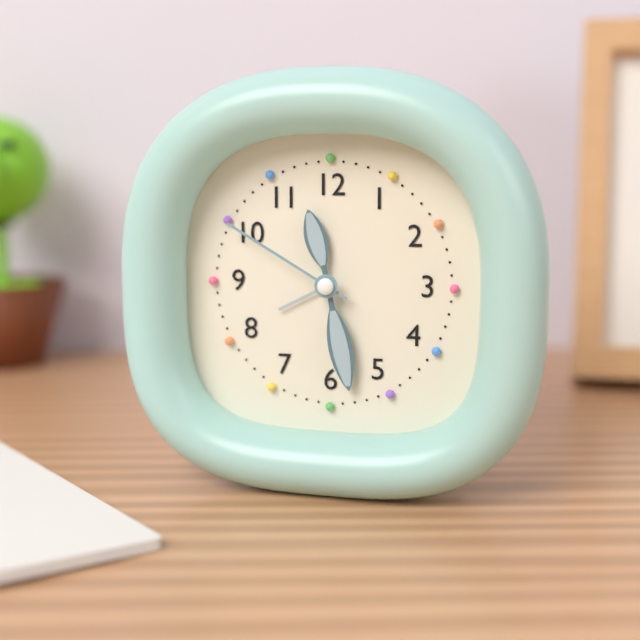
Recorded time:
{"hour": 11, "minute": 28, "second": 50}
